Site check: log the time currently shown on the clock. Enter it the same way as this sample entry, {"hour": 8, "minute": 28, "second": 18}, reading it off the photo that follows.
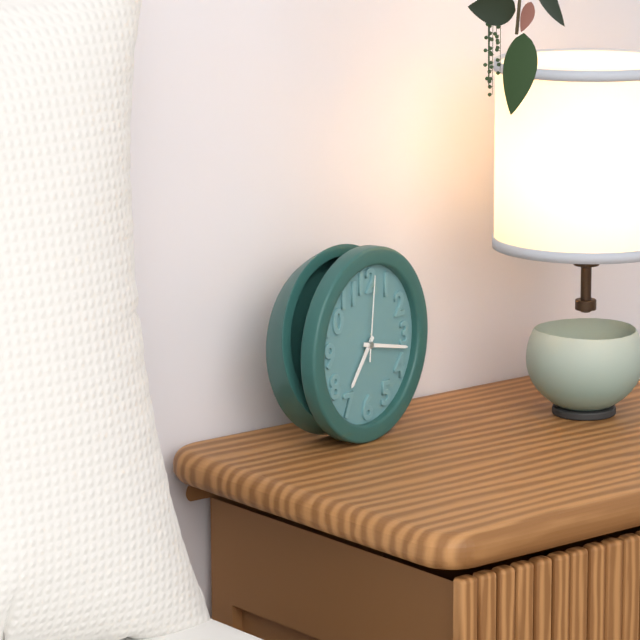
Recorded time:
{"hour": 7, "minute": 17, "second": 1}
